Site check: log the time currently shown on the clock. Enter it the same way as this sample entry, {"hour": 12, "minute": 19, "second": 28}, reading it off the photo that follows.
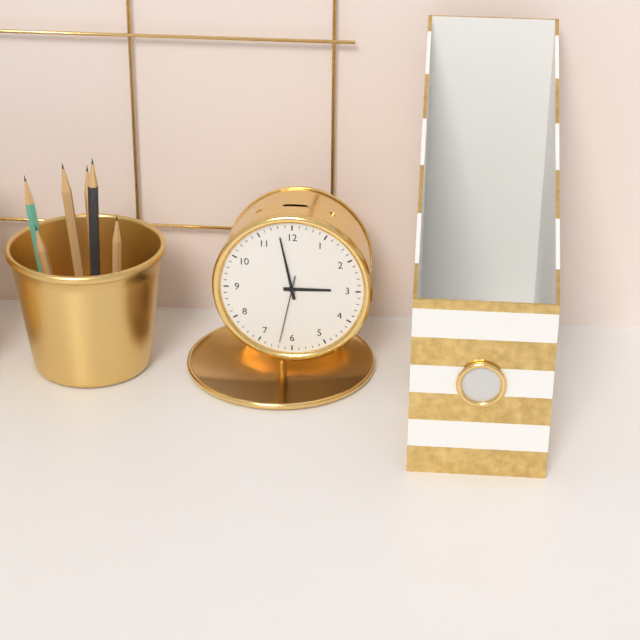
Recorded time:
{"hour": 2, "minute": 58, "second": 32}
